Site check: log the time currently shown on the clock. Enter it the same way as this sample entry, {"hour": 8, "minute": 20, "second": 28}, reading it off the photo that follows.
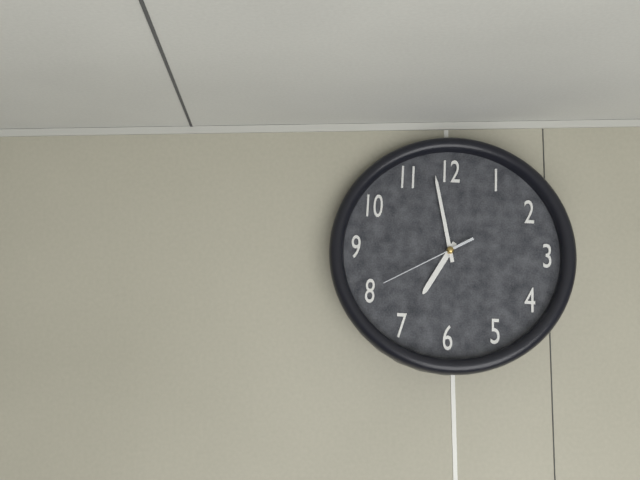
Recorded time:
{"hour": 6, "minute": 58, "second": 40}
